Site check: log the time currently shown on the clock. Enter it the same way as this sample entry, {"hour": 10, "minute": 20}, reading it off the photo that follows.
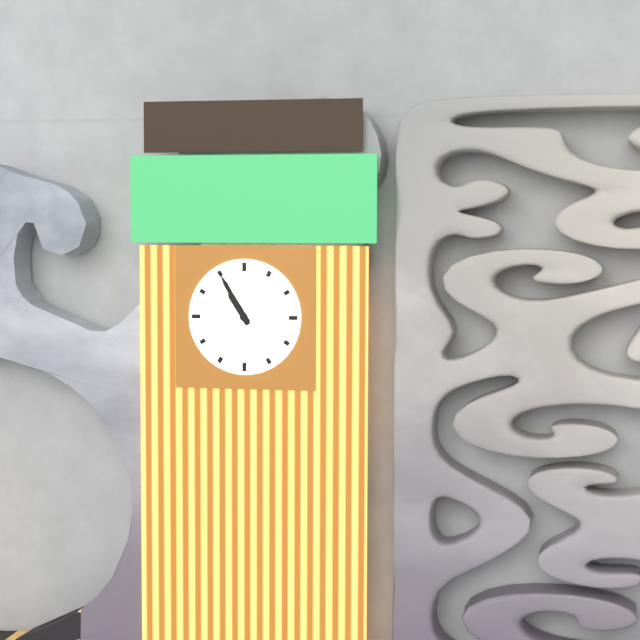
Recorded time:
{"hour": 10, "minute": 55}
